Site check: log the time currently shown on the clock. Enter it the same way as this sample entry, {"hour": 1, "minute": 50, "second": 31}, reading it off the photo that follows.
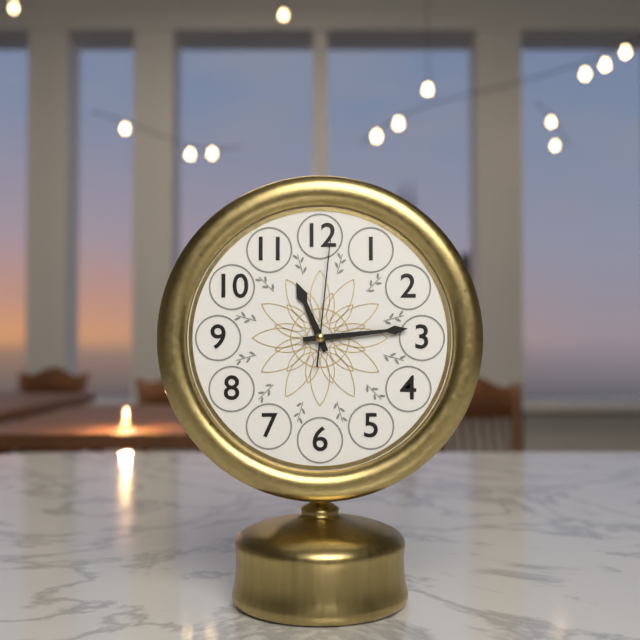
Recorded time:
{"hour": 11, "minute": 14, "second": 1}
